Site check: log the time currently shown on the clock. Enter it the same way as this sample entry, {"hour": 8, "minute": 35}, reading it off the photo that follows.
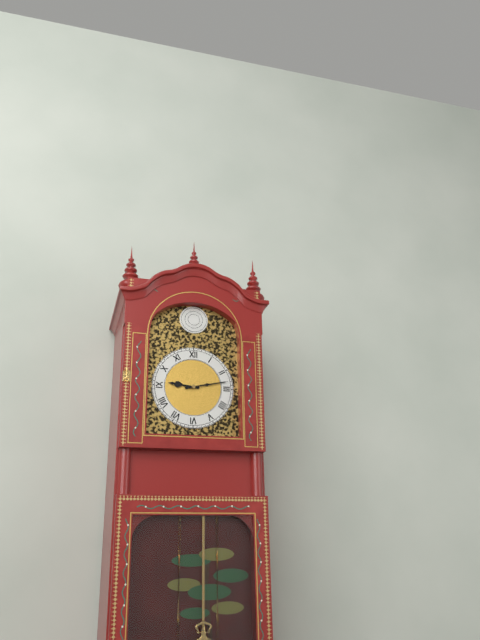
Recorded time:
{"hour": 9, "minute": 13}
